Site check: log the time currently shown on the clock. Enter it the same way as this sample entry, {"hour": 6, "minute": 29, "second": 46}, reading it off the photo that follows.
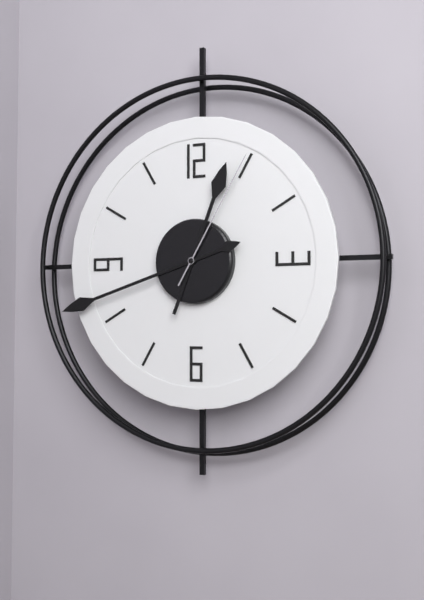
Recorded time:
{"hour": 12, "minute": 42, "second": 5}
